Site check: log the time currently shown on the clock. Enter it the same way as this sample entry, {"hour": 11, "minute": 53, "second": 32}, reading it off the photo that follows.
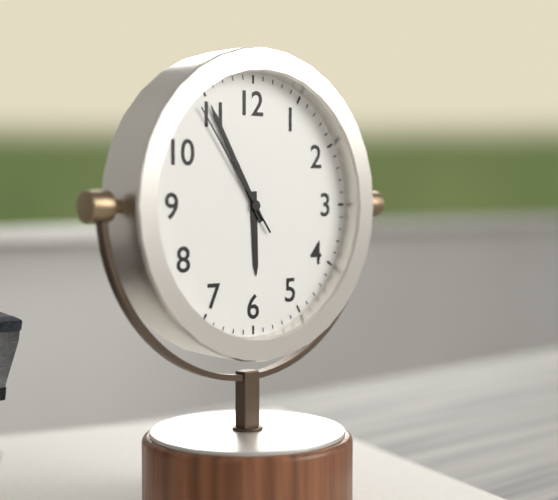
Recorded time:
{"hour": 5, "minute": 55, "second": 54}
